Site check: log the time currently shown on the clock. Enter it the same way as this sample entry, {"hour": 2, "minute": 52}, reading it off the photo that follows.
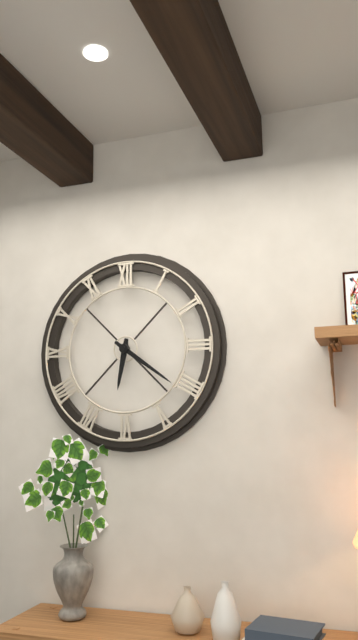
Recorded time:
{"hour": 6, "minute": 21}
